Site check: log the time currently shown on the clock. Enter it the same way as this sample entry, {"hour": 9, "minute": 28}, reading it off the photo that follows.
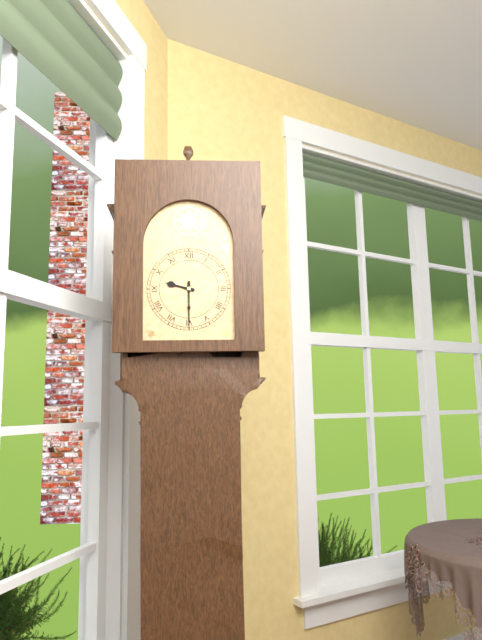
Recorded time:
{"hour": 9, "minute": 30}
